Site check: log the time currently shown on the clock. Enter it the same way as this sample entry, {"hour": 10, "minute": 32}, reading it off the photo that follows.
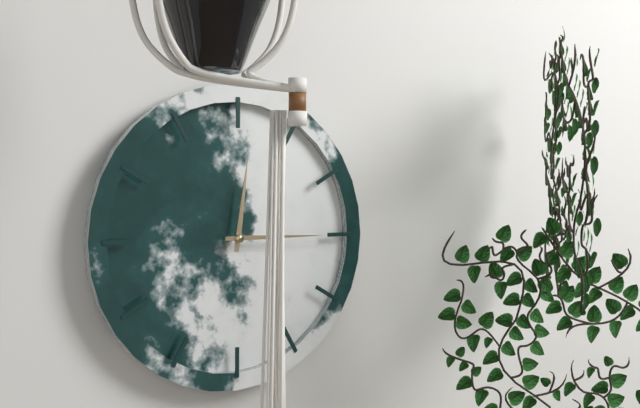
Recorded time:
{"hour": 12, "minute": 15}
